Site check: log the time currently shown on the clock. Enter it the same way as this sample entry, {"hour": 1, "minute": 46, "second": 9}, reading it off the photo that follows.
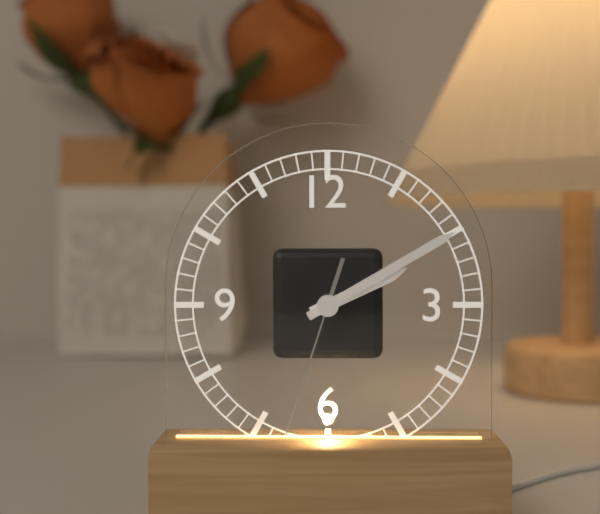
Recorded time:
{"hour": 2, "minute": 10, "second": 33}
